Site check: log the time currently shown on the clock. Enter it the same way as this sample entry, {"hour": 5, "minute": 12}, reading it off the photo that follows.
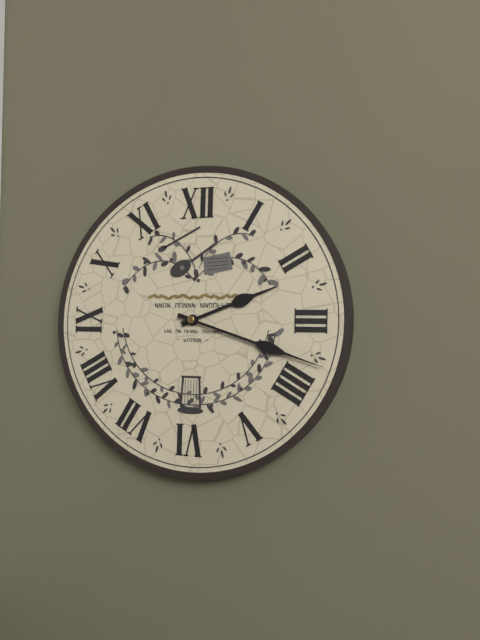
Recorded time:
{"hour": 2, "minute": 18}
